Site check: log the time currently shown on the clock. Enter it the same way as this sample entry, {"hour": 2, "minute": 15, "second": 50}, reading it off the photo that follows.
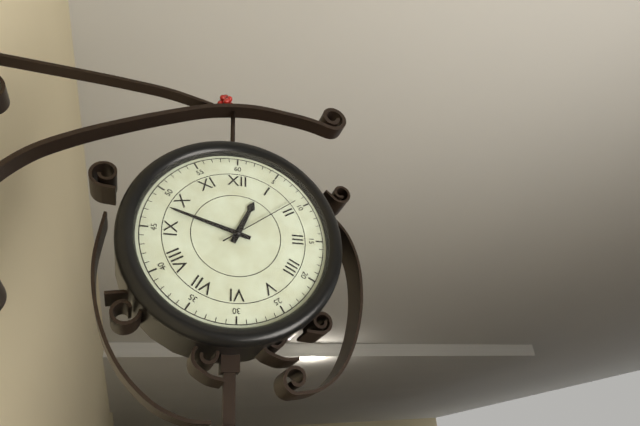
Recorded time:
{"hour": 12, "minute": 48, "second": 9}
